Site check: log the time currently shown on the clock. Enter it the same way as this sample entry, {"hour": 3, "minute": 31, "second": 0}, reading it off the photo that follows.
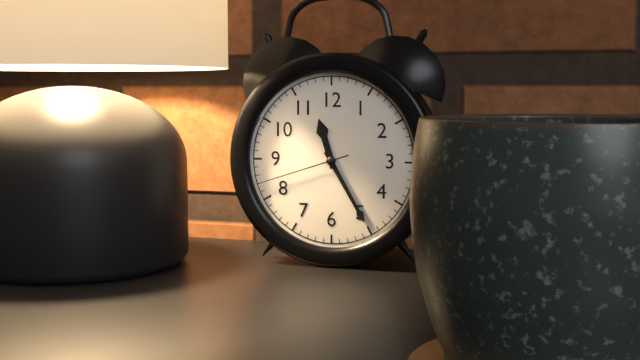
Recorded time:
{"hour": 11, "minute": 25, "second": 42}
